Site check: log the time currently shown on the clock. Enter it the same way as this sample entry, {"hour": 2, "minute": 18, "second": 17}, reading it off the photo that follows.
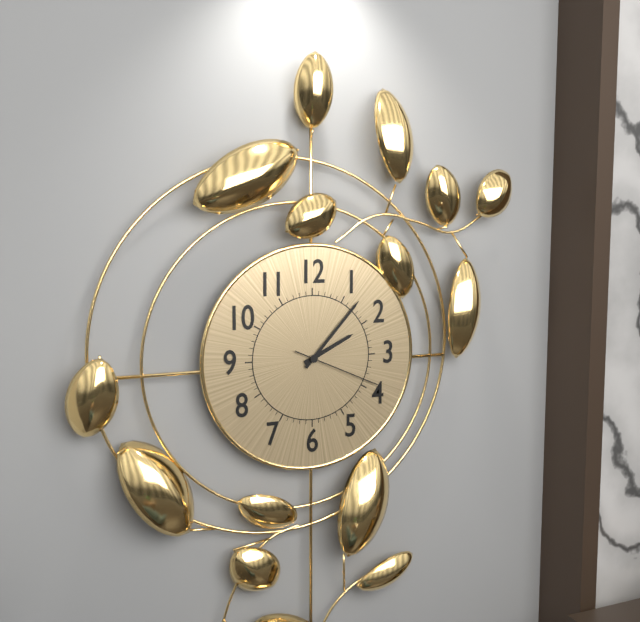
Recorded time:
{"hour": 2, "minute": 7, "second": 19}
